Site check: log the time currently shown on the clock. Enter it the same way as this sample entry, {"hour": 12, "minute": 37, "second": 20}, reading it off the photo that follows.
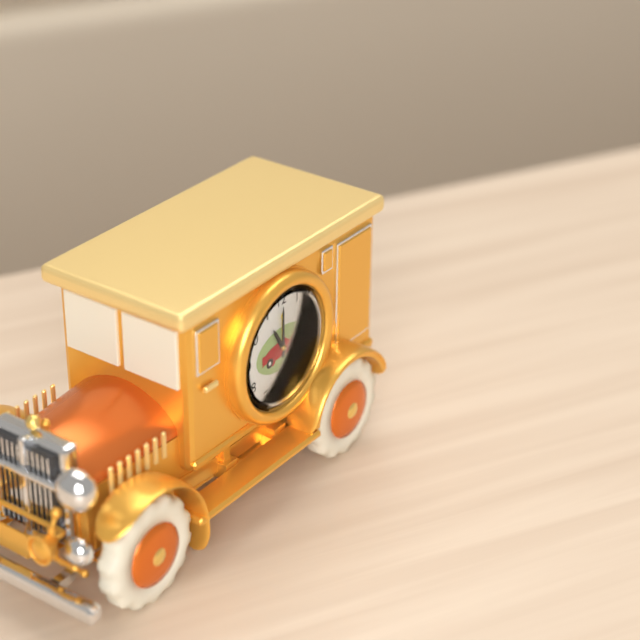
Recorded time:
{"hour": 11, "minute": 0, "second": 10}
